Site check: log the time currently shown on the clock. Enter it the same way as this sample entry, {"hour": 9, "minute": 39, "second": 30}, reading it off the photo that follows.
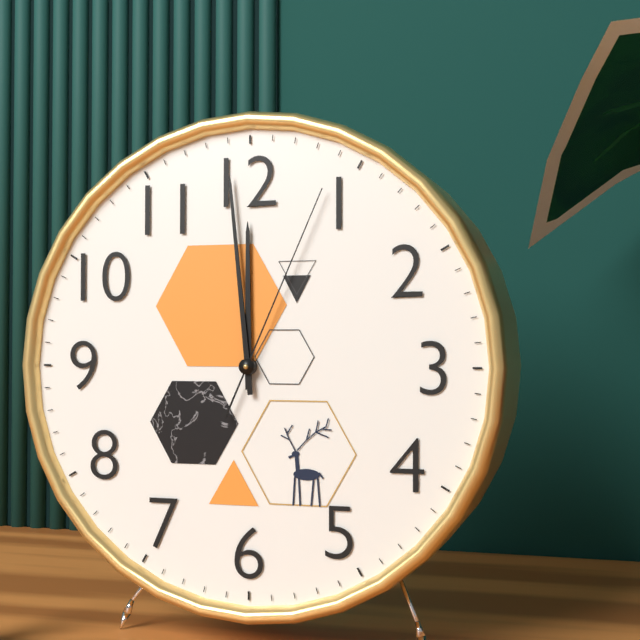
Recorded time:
{"hour": 11, "minute": 59, "second": 4}
